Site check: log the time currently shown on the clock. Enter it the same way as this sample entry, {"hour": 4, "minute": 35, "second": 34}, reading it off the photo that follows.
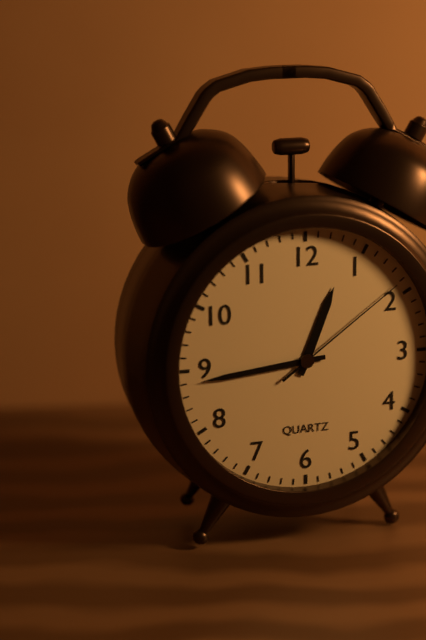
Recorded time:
{"hour": 12, "minute": 44, "second": 9}
